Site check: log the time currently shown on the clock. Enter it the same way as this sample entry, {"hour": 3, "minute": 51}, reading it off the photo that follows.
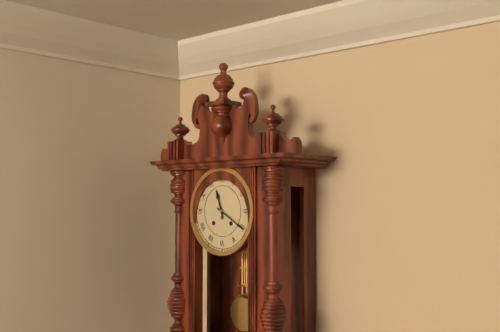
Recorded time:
{"hour": 11, "minute": 20}
